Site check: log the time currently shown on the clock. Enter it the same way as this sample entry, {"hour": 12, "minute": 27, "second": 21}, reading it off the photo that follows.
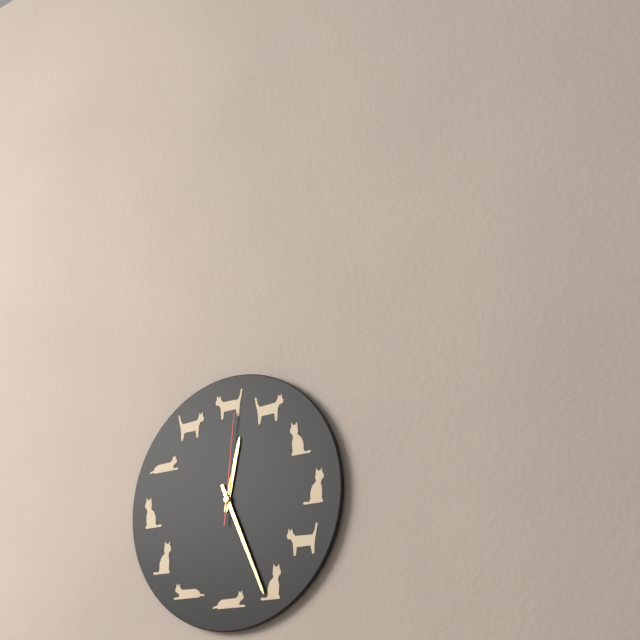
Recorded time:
{"hour": 12, "minute": 26, "second": 1}
